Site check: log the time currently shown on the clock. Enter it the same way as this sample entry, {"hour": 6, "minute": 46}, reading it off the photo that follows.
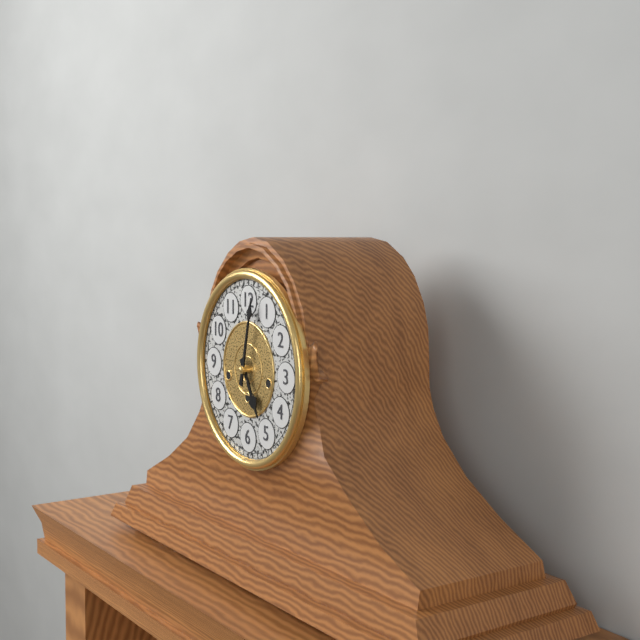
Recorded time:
{"hour": 5, "minute": 2}
